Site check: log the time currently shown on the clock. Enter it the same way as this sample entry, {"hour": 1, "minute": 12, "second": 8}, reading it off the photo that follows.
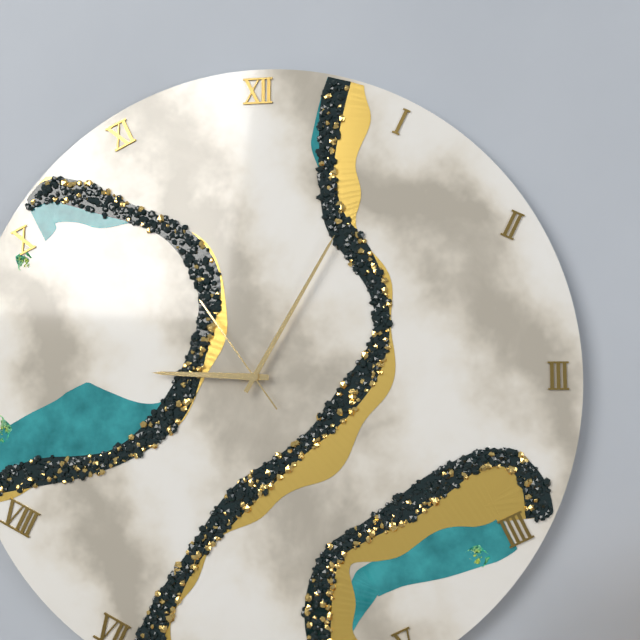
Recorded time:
{"hour": 9, "minute": 5, "second": 54}
